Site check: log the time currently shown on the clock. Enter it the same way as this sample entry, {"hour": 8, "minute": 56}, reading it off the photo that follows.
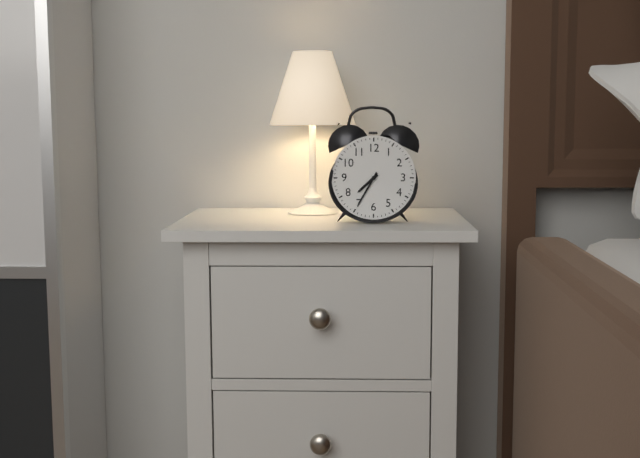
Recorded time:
{"hour": 7, "minute": 35}
